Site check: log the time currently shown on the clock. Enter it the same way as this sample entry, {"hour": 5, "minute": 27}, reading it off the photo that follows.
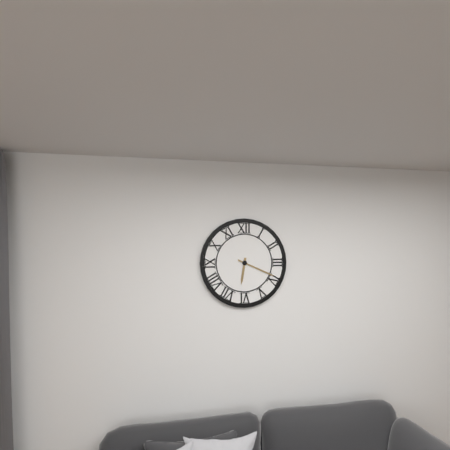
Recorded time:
{"hour": 6, "minute": 19}
